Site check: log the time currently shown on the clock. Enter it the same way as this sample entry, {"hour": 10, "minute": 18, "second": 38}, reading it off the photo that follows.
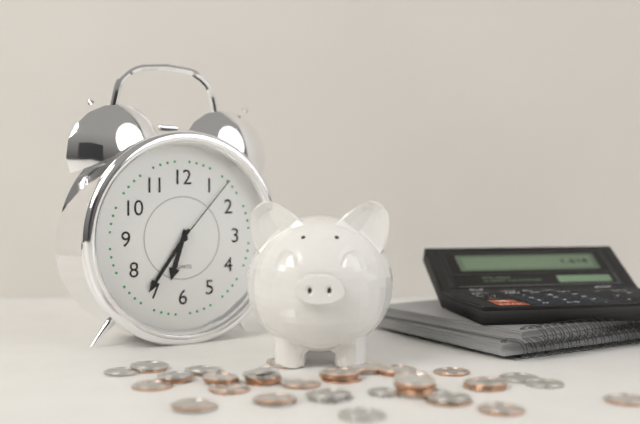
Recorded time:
{"hour": 6, "minute": 36, "second": 7}
